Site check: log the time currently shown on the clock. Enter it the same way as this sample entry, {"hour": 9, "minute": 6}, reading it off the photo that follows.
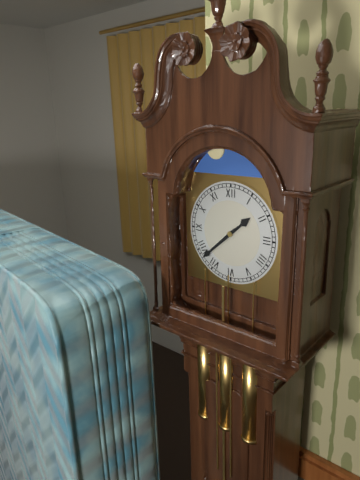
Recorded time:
{"hour": 1, "minute": 38}
